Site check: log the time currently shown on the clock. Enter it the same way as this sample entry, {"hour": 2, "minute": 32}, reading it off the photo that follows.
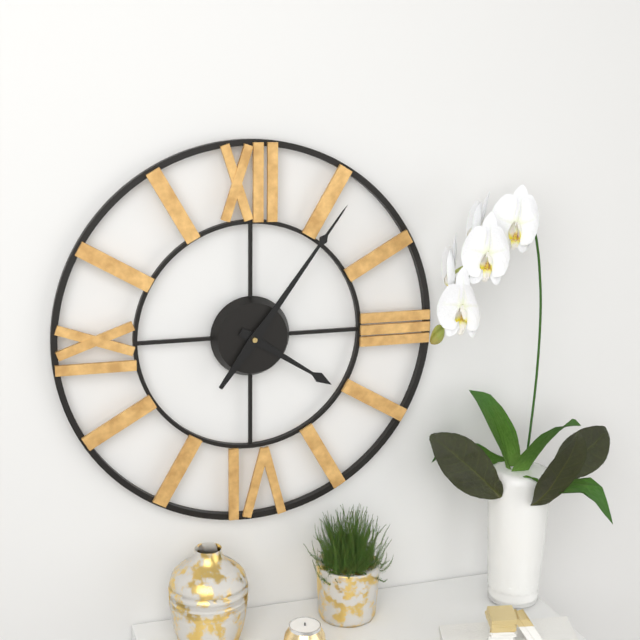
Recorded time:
{"hour": 4, "minute": 6}
